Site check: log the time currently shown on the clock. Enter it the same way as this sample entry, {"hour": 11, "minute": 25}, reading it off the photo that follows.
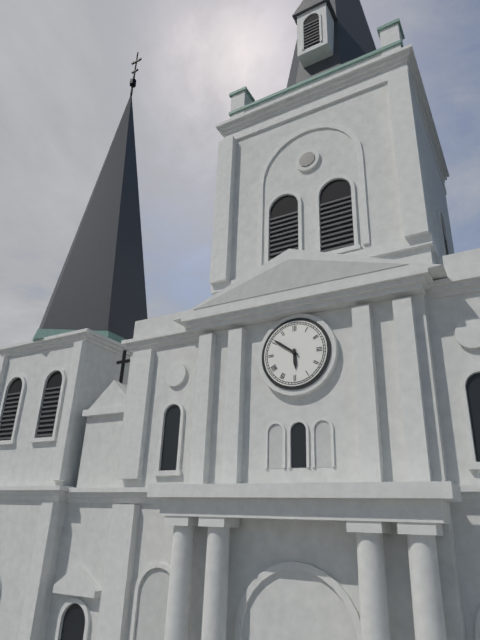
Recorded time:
{"hour": 5, "minute": 51}
